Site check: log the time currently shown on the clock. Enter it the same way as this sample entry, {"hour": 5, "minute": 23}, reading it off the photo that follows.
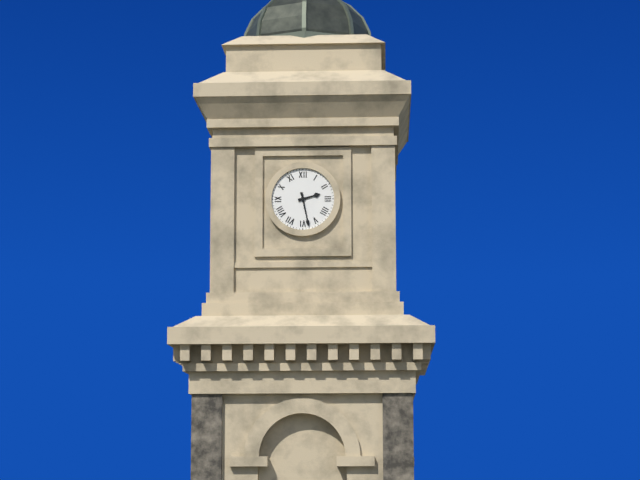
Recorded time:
{"hour": 2, "minute": 28}
